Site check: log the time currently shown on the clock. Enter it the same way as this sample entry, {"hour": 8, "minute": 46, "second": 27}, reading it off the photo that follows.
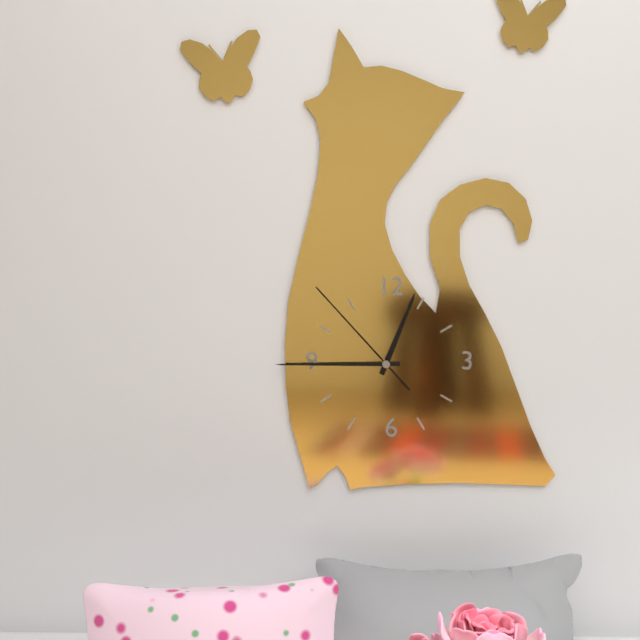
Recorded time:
{"hour": 12, "minute": 45, "second": 53}
